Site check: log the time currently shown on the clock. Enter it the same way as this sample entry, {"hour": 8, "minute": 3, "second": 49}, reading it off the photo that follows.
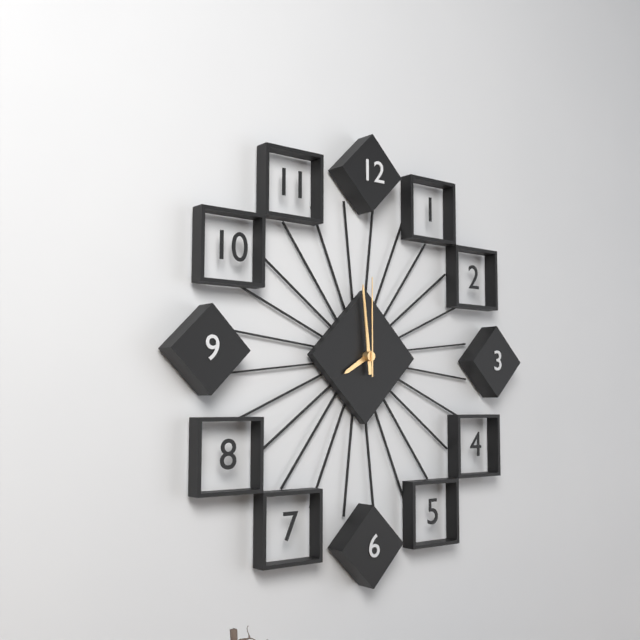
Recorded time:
{"hour": 7, "minute": 59, "second": 0}
